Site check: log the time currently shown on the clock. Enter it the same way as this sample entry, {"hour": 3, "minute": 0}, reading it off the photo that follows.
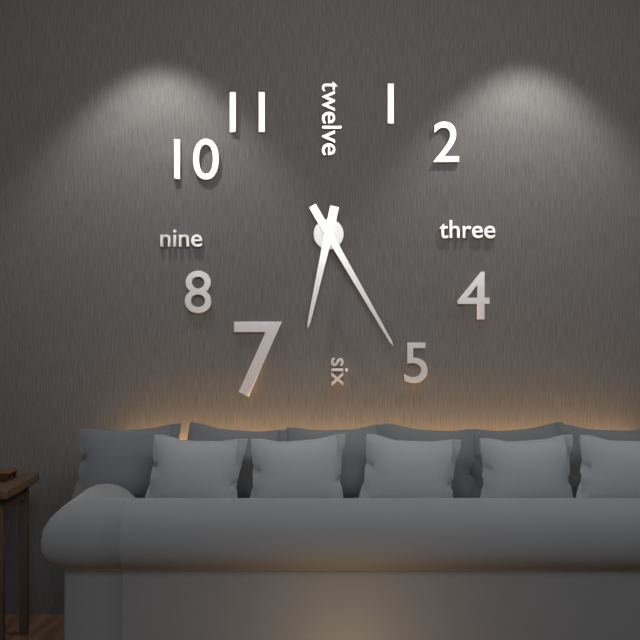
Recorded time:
{"hour": 6, "minute": 25}
